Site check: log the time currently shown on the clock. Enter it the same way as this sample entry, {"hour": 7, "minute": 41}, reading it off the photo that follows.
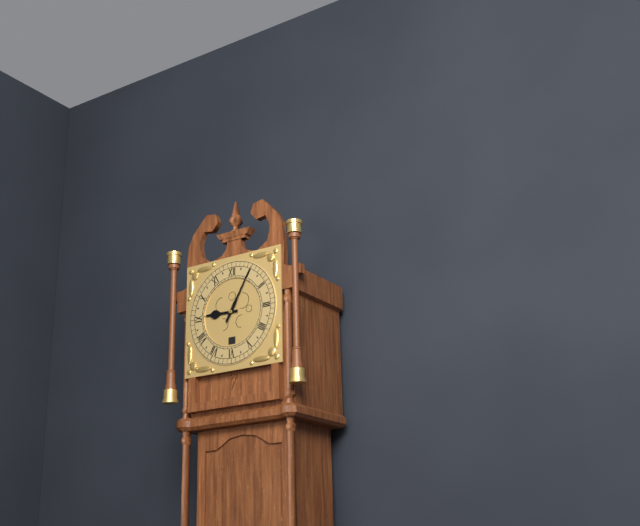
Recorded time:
{"hour": 9, "minute": 5}
